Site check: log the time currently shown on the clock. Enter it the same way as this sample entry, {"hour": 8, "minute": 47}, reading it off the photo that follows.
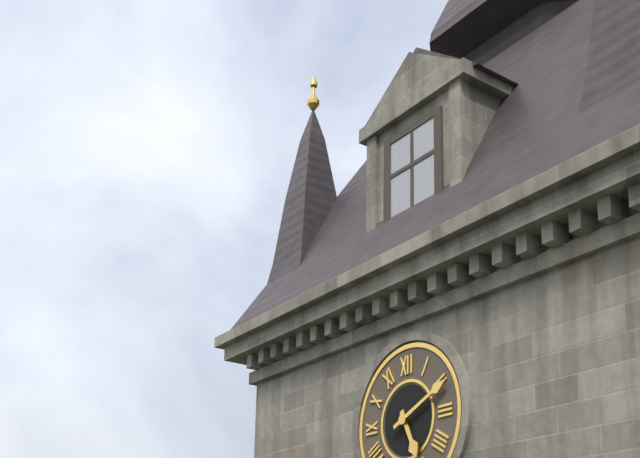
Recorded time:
{"hour": 5, "minute": 11}
